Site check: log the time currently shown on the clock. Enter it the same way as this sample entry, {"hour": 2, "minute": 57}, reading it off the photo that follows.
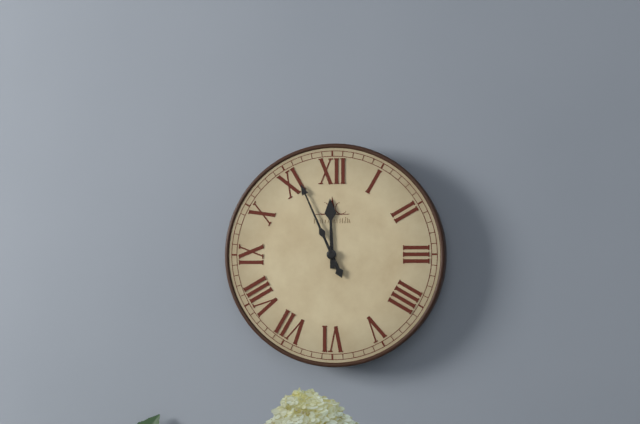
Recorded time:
{"hour": 11, "minute": 56}
